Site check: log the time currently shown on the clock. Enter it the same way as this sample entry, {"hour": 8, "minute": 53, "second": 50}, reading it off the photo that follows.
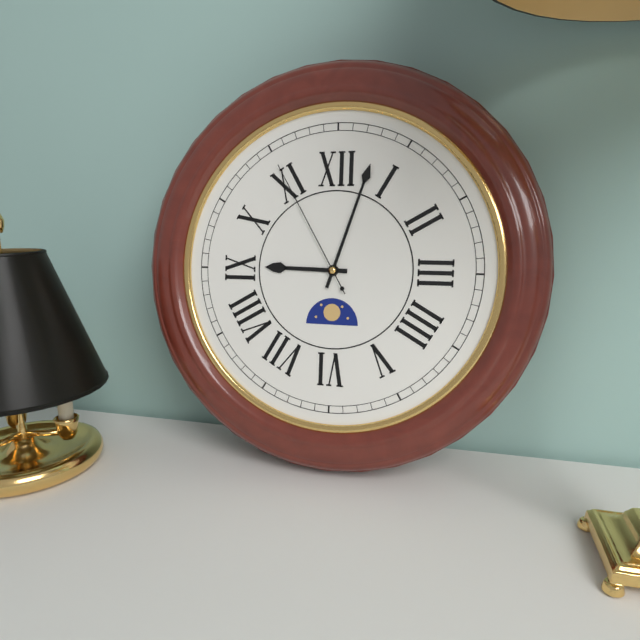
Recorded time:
{"hour": 9, "minute": 3, "second": 55}
